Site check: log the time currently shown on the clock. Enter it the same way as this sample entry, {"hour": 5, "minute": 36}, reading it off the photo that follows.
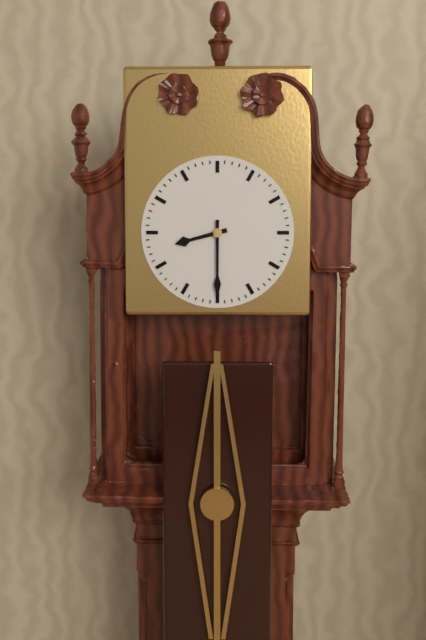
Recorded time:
{"hour": 8, "minute": 30}
